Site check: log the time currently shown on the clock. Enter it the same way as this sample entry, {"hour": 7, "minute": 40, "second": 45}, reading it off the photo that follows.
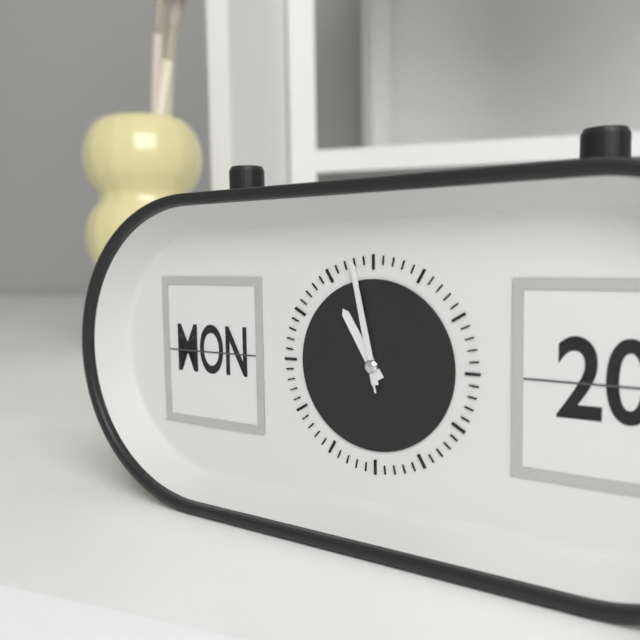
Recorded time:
{"hour": 10, "minute": 58, "second": 58}
